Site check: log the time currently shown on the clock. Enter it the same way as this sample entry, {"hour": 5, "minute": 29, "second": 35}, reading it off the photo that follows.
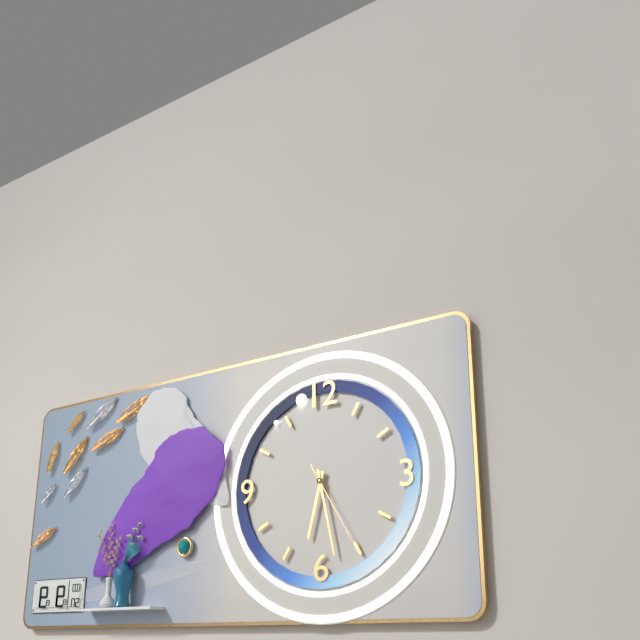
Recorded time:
{"hour": 6, "minute": 28, "second": 25}
